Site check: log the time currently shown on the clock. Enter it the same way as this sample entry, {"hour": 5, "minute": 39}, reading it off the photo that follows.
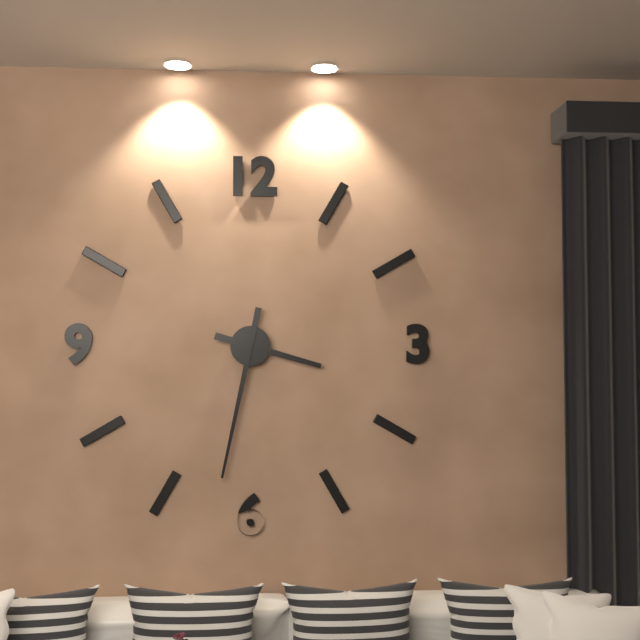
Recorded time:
{"hour": 3, "minute": 32}
